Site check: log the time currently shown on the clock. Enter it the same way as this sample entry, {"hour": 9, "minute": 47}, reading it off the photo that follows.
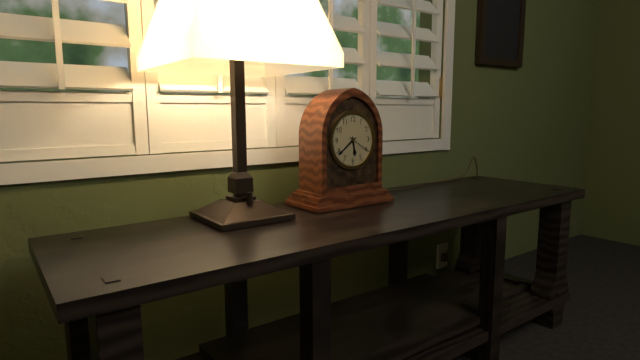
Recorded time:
{"hour": 5, "minute": 39}
